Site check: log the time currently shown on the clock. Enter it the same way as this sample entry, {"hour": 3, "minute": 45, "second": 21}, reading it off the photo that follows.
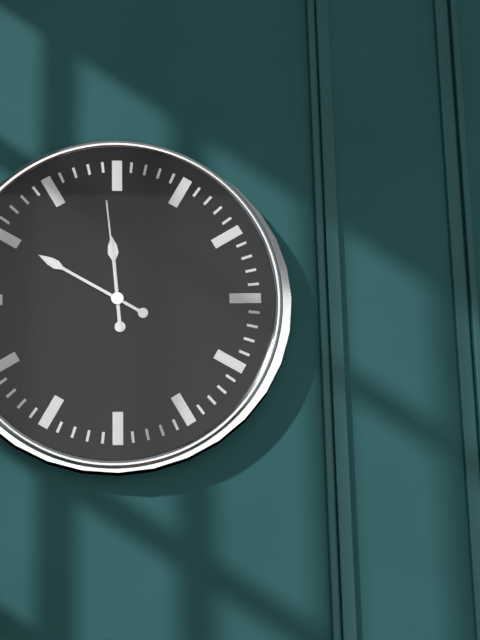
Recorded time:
{"hour": 11, "minute": 50, "second": 59}
